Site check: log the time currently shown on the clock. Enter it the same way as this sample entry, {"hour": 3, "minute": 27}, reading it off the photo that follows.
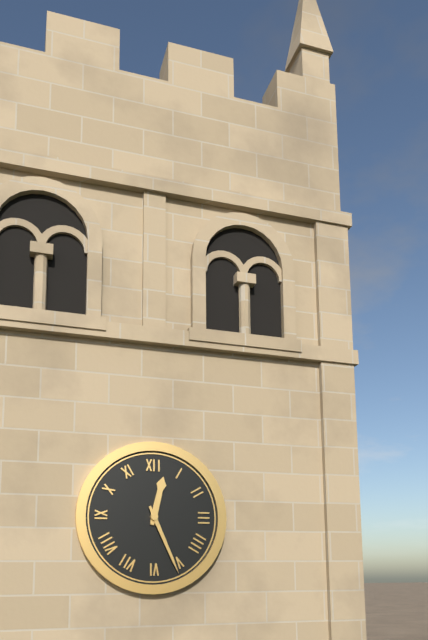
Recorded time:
{"hour": 12, "minute": 26}
